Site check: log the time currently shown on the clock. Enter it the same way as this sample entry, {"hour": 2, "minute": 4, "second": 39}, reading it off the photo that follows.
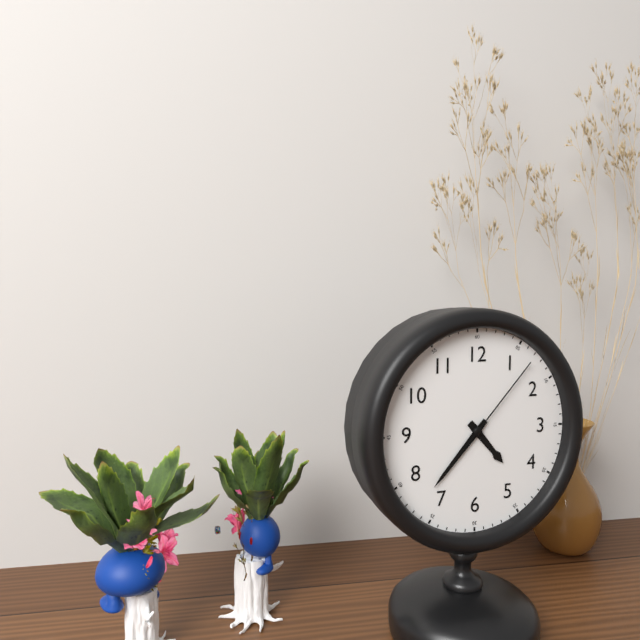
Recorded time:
{"hour": 4, "minute": 37, "second": 7}
